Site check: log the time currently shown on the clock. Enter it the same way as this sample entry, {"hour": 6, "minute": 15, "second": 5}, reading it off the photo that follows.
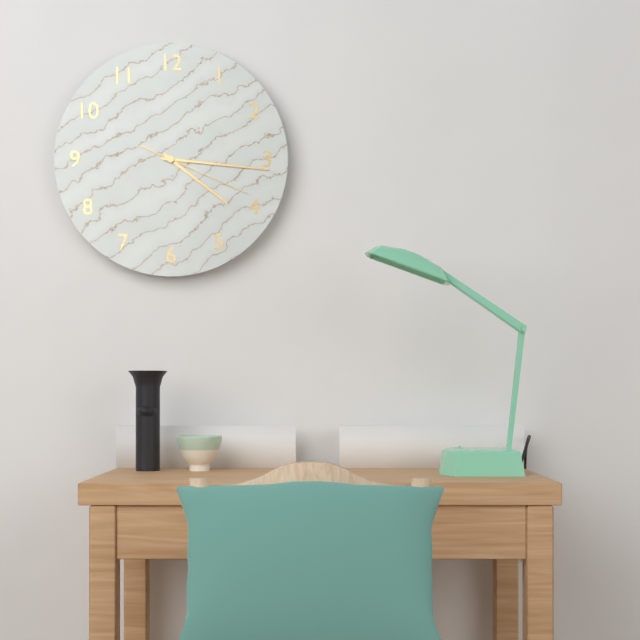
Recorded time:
{"hour": 4, "minute": 16, "second": 19}
